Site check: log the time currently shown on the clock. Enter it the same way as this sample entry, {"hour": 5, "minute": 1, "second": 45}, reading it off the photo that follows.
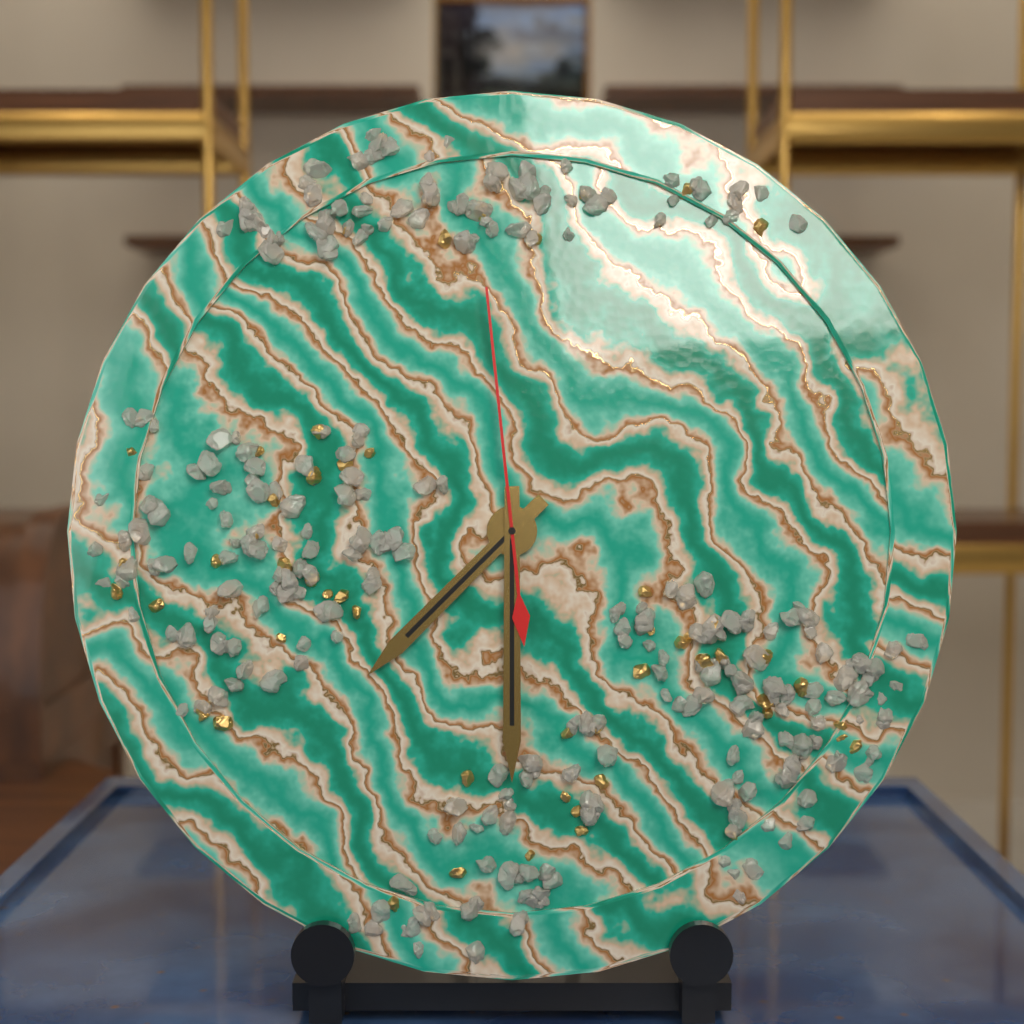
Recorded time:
{"hour": 7, "minute": 30, "second": 59}
